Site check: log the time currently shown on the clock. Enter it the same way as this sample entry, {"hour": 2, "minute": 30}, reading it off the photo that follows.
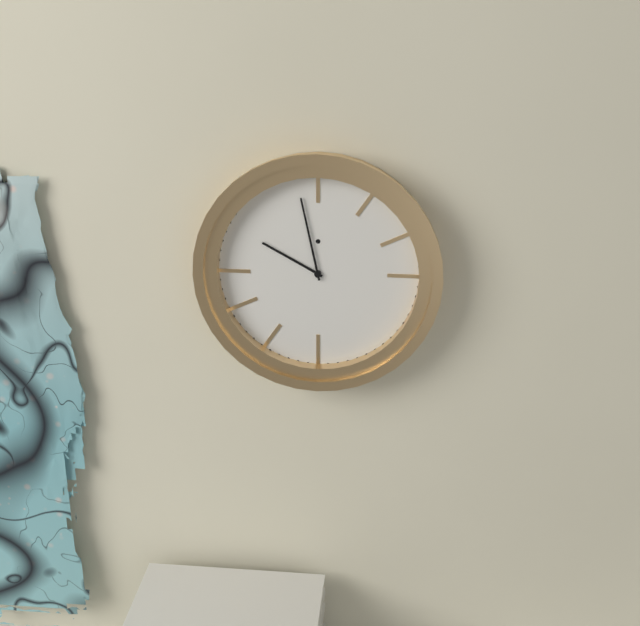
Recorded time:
{"hour": 9, "minute": 58}
